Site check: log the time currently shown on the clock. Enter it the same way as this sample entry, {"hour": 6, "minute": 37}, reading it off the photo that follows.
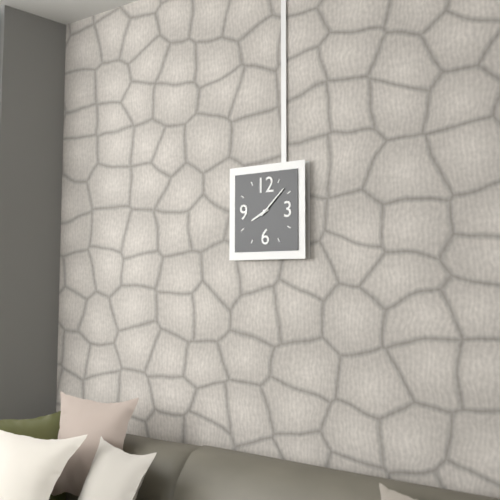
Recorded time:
{"hour": 8, "minute": 8}
